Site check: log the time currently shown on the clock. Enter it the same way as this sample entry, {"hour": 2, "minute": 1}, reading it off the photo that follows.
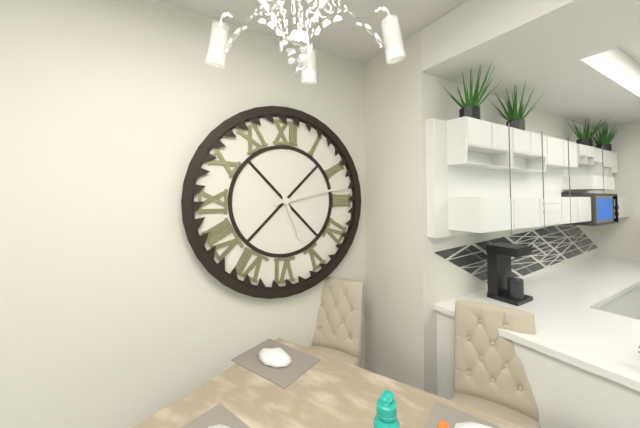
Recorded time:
{"hour": 5, "minute": 13}
